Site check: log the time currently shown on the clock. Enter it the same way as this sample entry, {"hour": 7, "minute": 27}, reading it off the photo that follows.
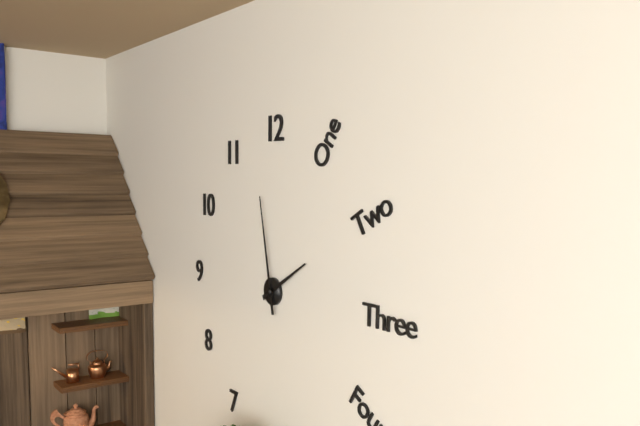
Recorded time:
{"hour": 1, "minute": 58}
